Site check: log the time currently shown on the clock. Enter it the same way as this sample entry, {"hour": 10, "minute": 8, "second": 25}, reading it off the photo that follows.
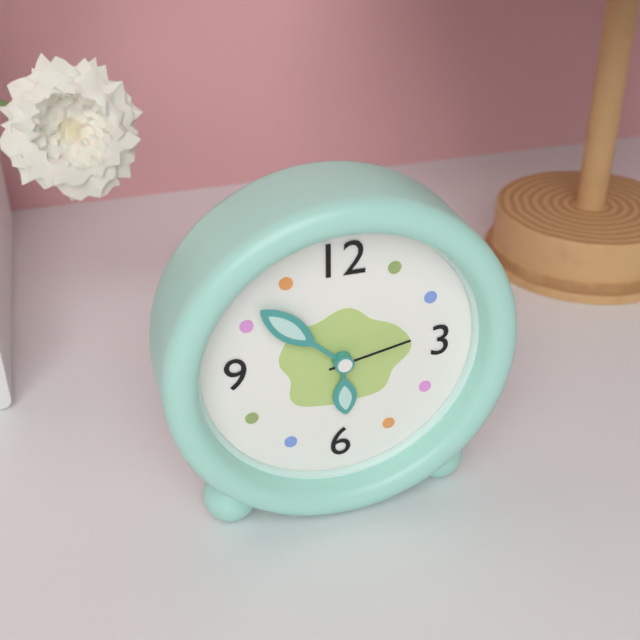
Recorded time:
{"hour": 5, "minute": 52, "second": 13}
